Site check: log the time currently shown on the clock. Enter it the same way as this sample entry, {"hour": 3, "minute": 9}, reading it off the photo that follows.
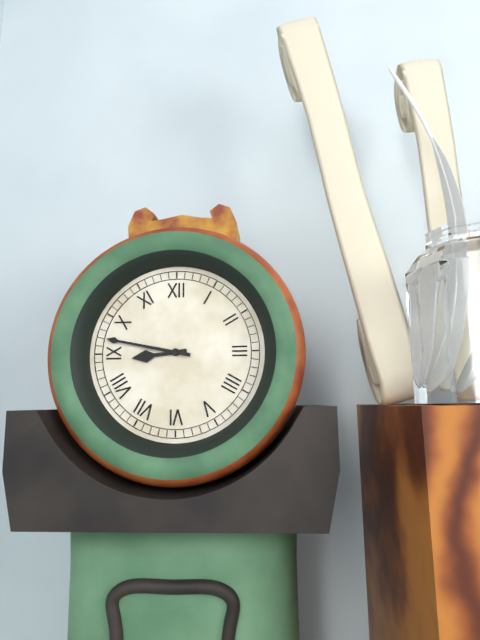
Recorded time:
{"hour": 8, "minute": 47}
